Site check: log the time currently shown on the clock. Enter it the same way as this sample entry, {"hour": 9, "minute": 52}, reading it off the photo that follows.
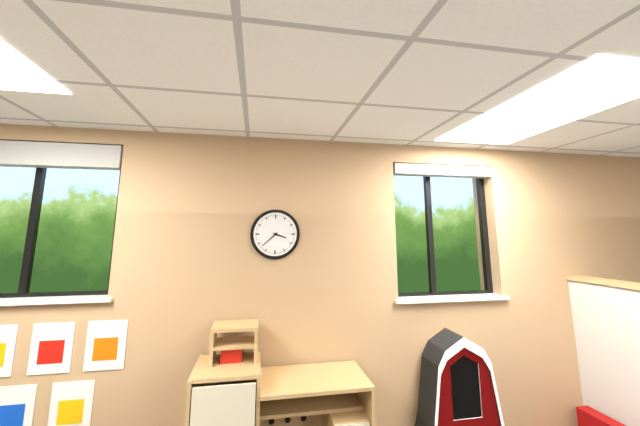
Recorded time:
{"hour": 3, "minute": 38}
